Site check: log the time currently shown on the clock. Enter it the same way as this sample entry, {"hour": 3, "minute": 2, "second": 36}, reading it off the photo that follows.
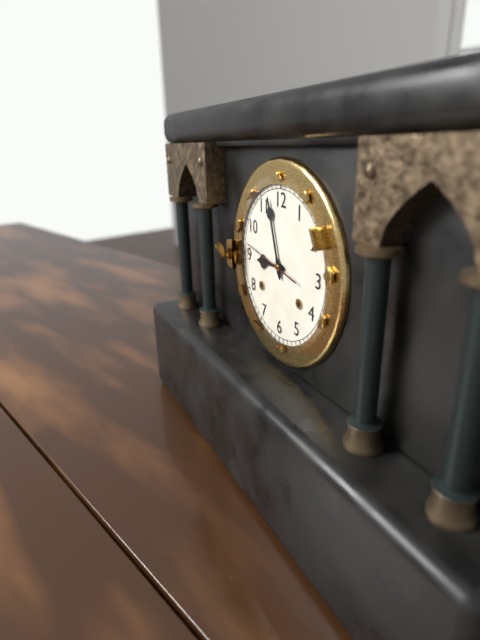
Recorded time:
{"hour": 8, "minute": 57, "second": 47}
